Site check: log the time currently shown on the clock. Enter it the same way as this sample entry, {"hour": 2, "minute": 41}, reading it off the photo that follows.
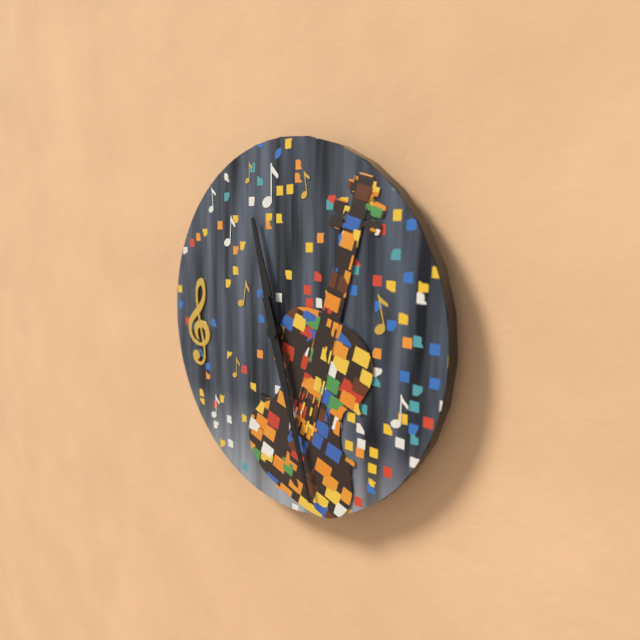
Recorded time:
{"hour": 11, "minute": 27}
